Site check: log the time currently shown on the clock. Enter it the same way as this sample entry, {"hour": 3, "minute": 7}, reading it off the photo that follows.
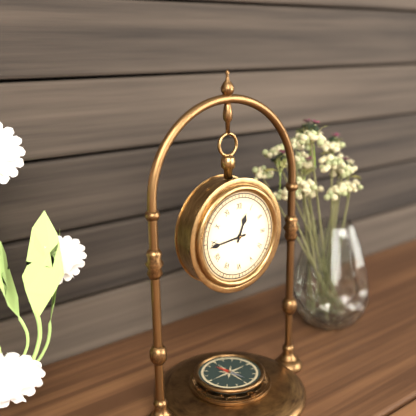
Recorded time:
{"hour": 12, "minute": 44}
